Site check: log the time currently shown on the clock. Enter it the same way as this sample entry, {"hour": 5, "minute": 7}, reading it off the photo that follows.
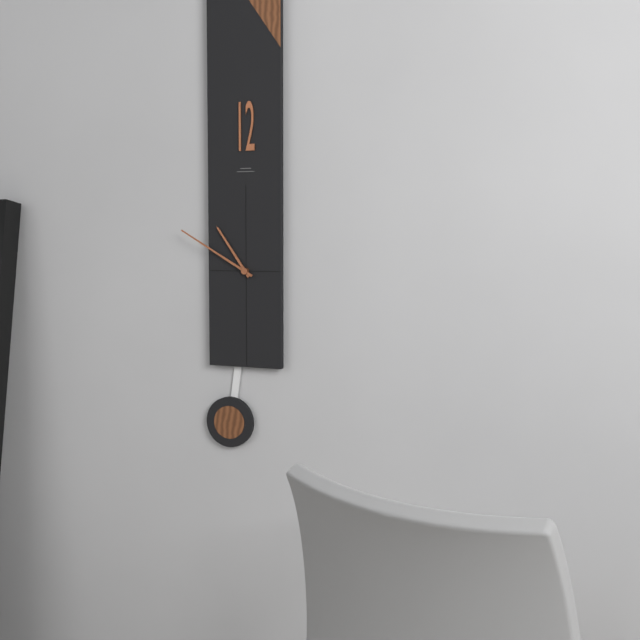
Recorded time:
{"hour": 10, "minute": 50}
